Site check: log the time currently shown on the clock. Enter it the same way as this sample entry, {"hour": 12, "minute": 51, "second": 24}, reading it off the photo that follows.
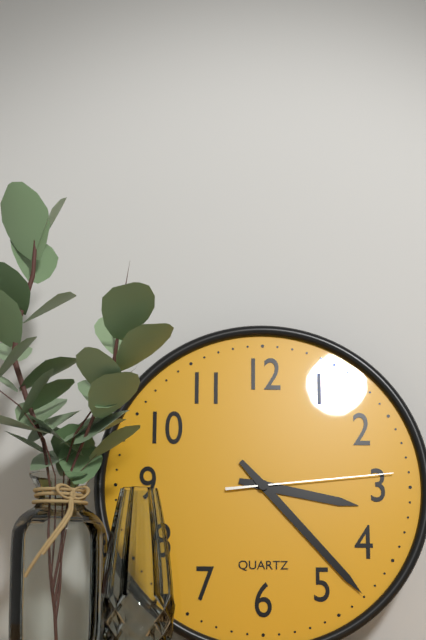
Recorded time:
{"hour": 3, "minute": 23, "second": 14}
